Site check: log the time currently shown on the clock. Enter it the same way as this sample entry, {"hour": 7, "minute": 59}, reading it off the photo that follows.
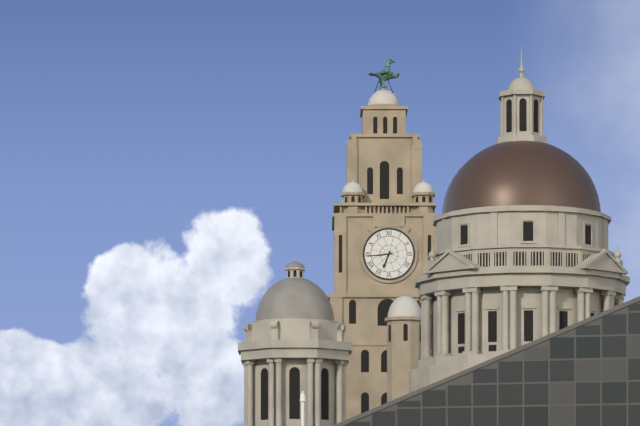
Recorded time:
{"hour": 6, "minute": 44}
